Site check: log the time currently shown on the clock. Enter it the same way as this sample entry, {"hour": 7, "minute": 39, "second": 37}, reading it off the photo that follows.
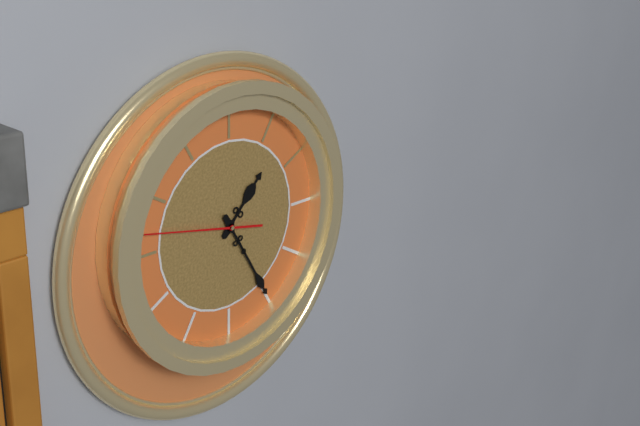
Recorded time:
{"hour": 1, "minute": 25, "second": 47}
